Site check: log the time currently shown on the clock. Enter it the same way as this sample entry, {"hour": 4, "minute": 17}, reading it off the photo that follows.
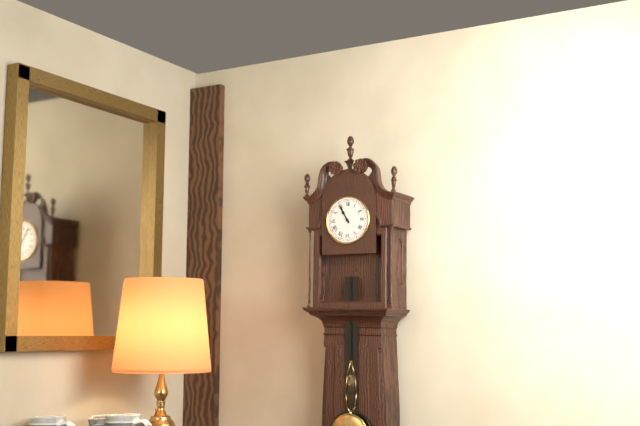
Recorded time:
{"hour": 10, "minute": 55}
